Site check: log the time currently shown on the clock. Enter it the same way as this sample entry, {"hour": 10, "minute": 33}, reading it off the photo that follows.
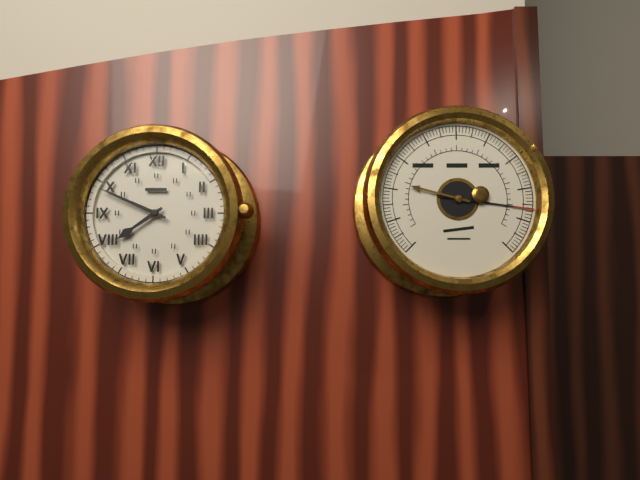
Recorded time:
{"hour": 7, "minute": 49}
